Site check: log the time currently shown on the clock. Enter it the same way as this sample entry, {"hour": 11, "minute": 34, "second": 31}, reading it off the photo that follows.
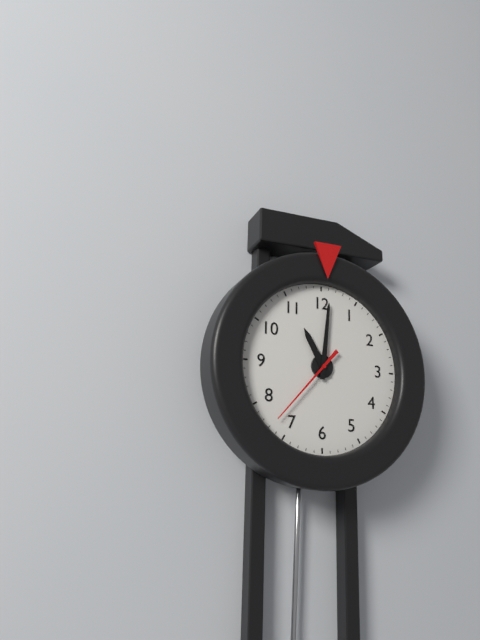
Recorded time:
{"hour": 11, "minute": 1, "second": 37}
